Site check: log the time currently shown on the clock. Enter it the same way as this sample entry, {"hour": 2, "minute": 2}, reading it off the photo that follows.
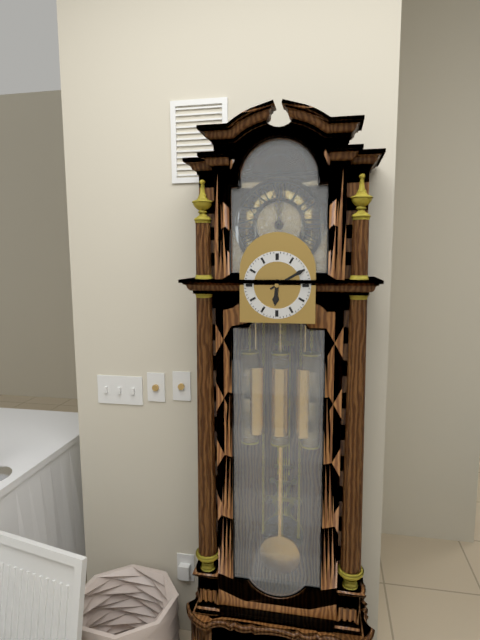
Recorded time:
{"hour": 6, "minute": 10}
